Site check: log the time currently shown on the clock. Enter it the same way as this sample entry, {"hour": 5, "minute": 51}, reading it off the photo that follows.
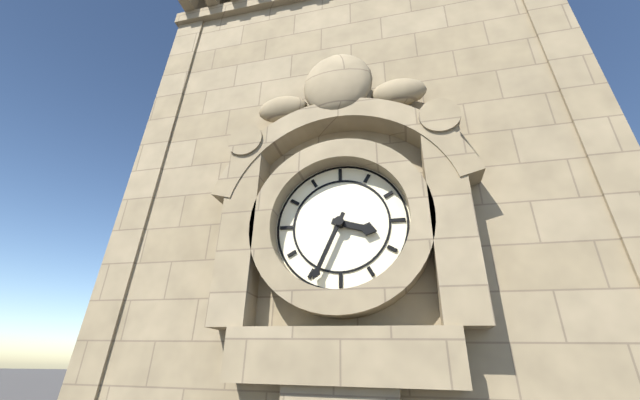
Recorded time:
{"hour": 3, "minute": 34}
